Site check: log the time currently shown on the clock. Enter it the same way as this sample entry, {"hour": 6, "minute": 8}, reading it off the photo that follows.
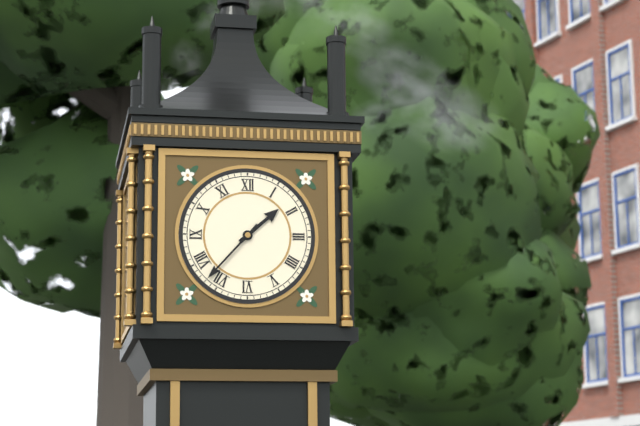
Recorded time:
{"hour": 1, "minute": 37}
